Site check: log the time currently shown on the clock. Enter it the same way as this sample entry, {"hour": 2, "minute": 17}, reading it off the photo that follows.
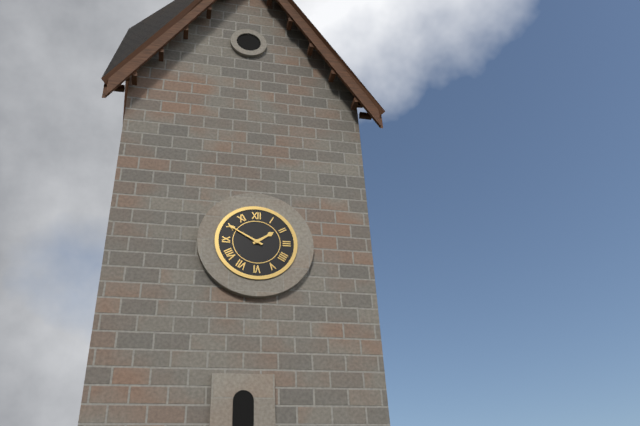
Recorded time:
{"hour": 1, "minute": 50}
